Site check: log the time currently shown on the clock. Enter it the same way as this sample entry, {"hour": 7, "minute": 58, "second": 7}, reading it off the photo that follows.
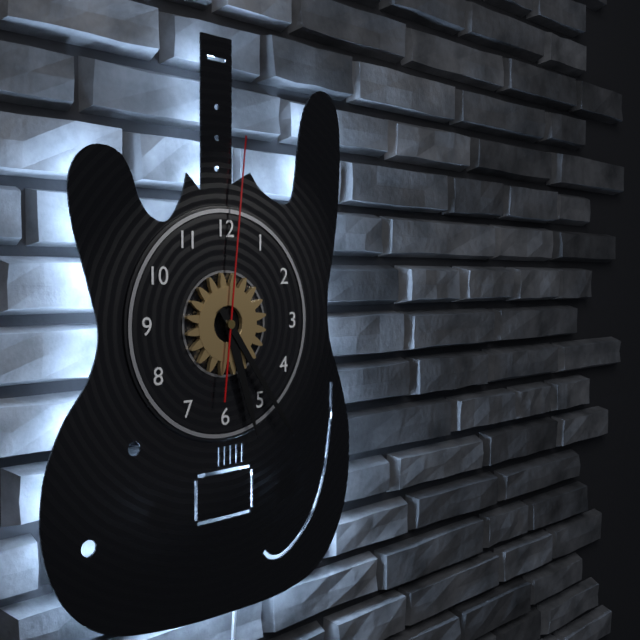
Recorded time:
{"hour": 5, "minute": 24, "second": 1}
